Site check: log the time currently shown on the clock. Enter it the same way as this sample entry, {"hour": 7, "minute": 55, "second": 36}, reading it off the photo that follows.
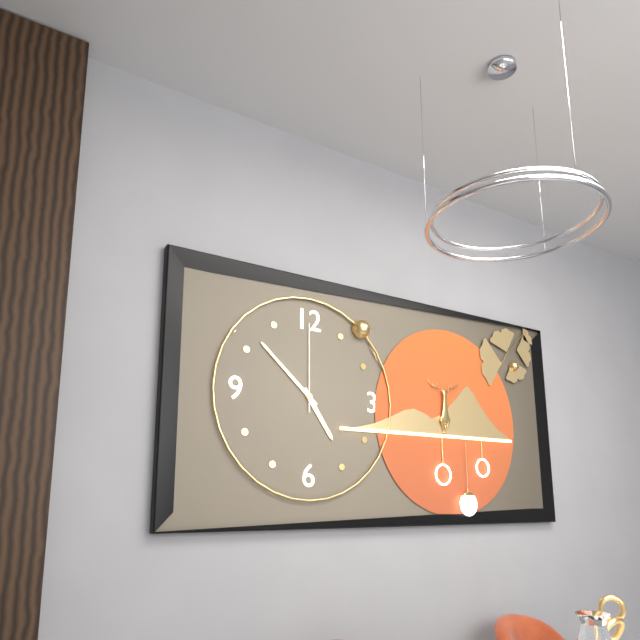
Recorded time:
{"hour": 4, "minute": 52, "second": 0}
